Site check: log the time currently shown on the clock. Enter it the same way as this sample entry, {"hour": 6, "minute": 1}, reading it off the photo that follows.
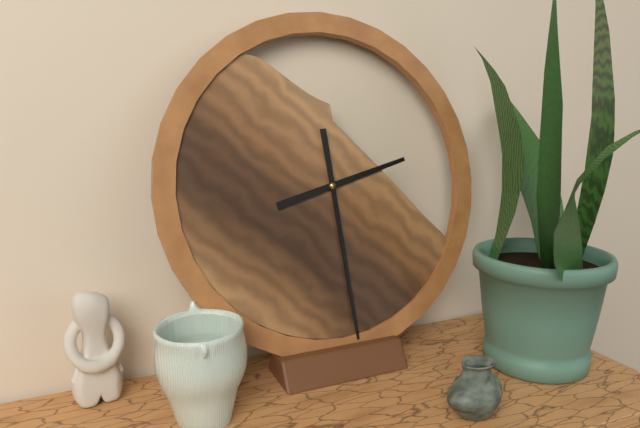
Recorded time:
{"hour": 2, "minute": 29}
